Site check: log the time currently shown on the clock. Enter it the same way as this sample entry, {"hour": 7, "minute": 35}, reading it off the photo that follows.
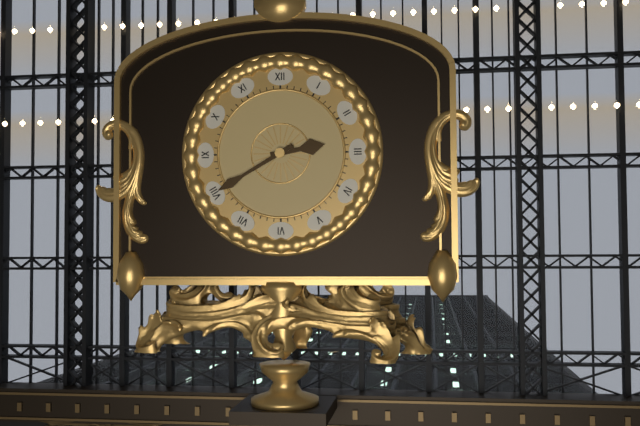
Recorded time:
{"hour": 2, "minute": 40}
